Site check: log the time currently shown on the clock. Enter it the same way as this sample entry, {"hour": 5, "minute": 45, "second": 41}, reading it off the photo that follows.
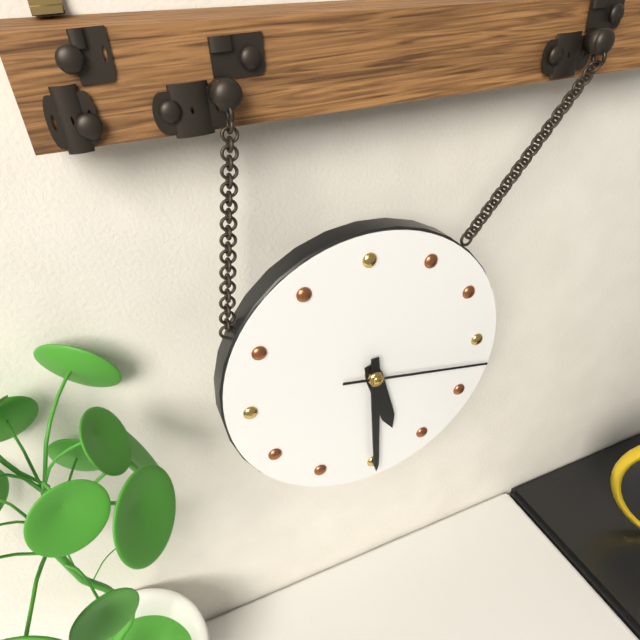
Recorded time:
{"hour": 5, "minute": 30, "second": 17}
